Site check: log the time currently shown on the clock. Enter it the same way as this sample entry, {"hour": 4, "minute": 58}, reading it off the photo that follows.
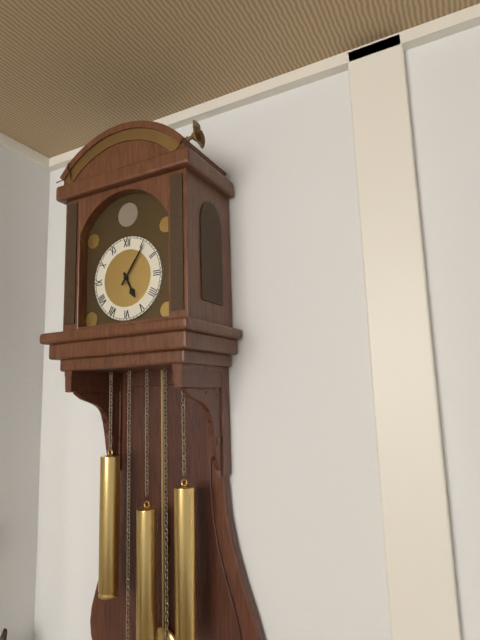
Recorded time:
{"hour": 5, "minute": 6}
